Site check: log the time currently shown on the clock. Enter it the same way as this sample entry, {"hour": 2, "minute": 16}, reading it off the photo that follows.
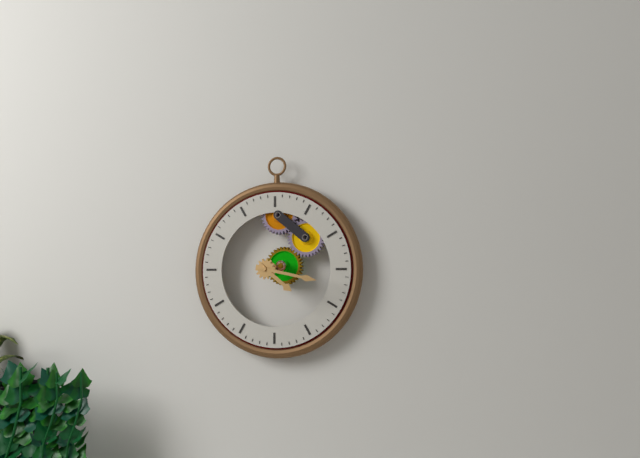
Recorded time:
{"hour": 4, "minute": 17}
